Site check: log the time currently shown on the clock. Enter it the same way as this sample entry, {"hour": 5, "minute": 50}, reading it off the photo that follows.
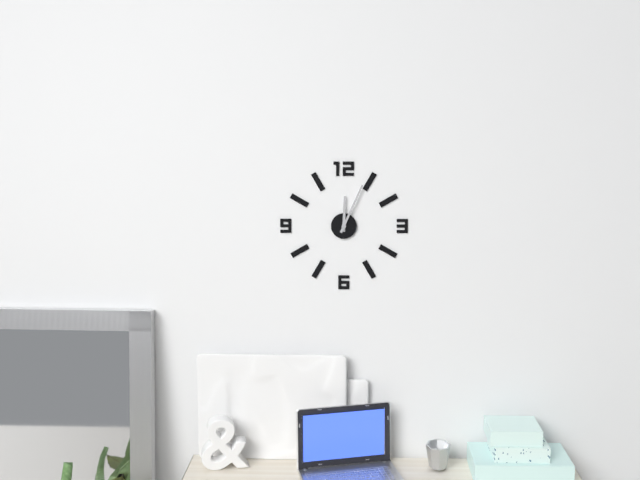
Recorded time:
{"hour": 12, "minute": 4}
